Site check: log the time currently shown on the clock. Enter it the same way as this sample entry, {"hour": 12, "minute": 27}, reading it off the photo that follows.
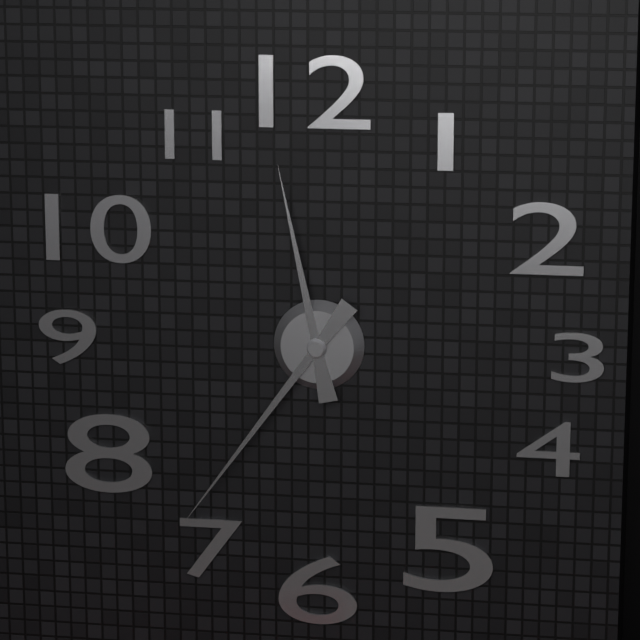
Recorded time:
{"hour": 11, "minute": 36}
